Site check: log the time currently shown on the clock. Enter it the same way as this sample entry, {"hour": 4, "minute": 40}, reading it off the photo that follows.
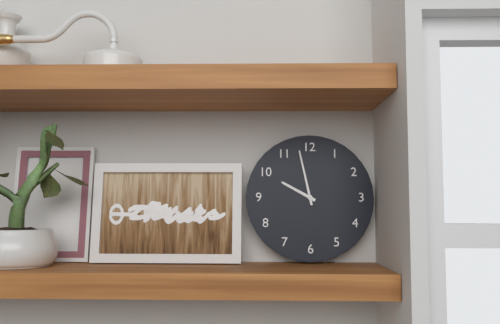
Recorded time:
{"hour": 9, "minute": 58}
